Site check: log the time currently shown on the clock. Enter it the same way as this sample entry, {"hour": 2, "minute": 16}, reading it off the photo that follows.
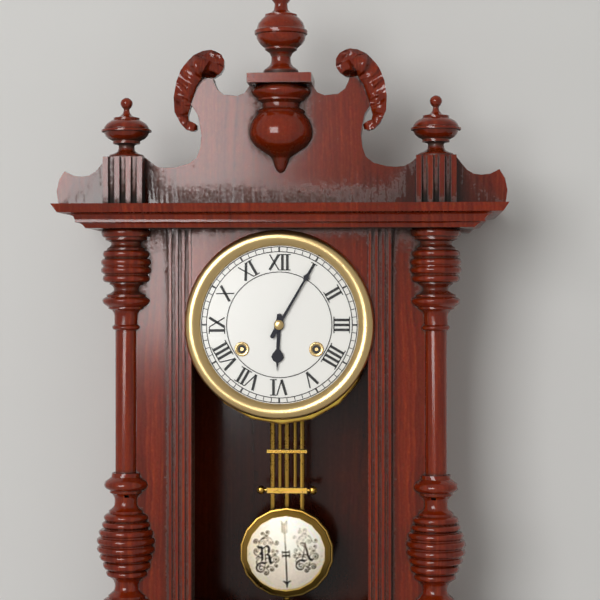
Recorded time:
{"hour": 6, "minute": 5}
